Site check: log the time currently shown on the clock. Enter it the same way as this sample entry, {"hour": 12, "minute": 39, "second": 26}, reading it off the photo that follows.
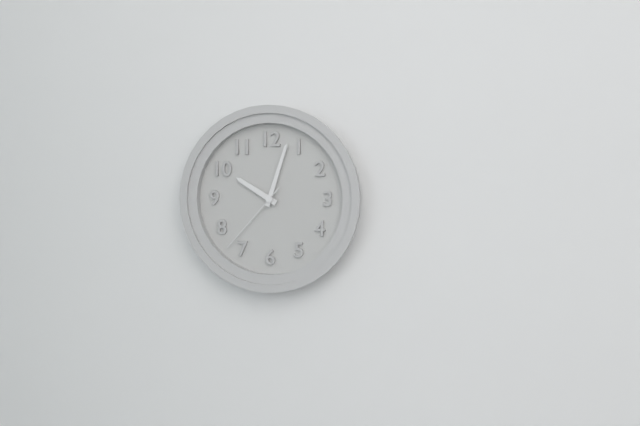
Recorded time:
{"hour": 10, "minute": 3, "second": 37}
